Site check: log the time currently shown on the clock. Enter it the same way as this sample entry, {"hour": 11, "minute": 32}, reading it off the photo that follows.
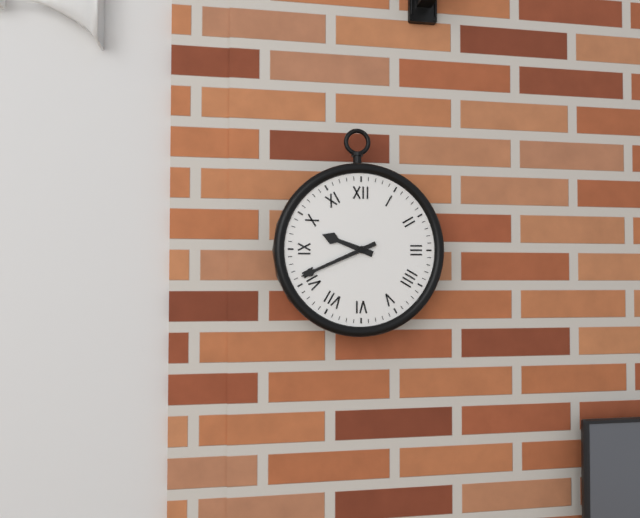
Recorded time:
{"hour": 9, "minute": 41}
